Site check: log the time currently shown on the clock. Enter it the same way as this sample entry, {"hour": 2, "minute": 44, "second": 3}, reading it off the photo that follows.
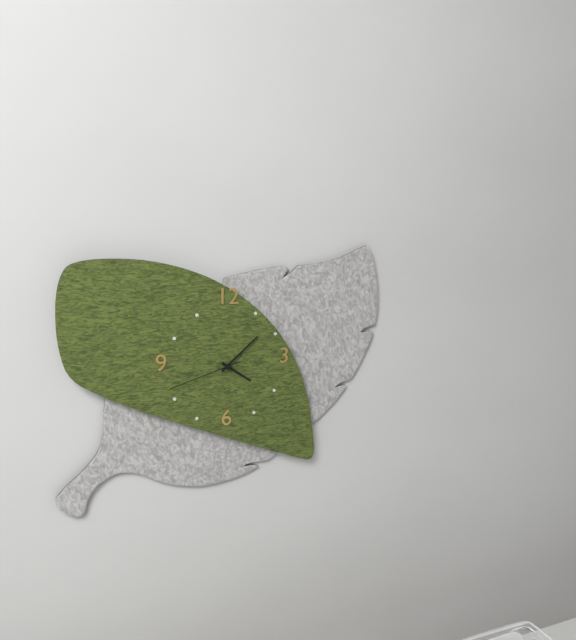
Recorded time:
{"hour": 4, "minute": 8, "second": 42}
